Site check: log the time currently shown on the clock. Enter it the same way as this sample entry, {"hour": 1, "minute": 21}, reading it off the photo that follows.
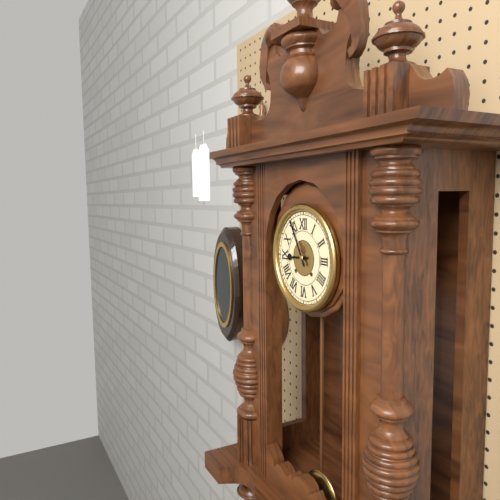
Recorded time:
{"hour": 8, "minute": 55}
